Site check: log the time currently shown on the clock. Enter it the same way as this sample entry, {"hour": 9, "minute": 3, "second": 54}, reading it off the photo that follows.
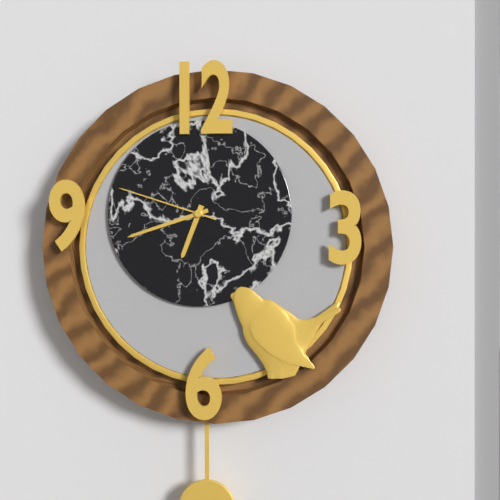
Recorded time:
{"hour": 6, "minute": 42, "second": 48}
